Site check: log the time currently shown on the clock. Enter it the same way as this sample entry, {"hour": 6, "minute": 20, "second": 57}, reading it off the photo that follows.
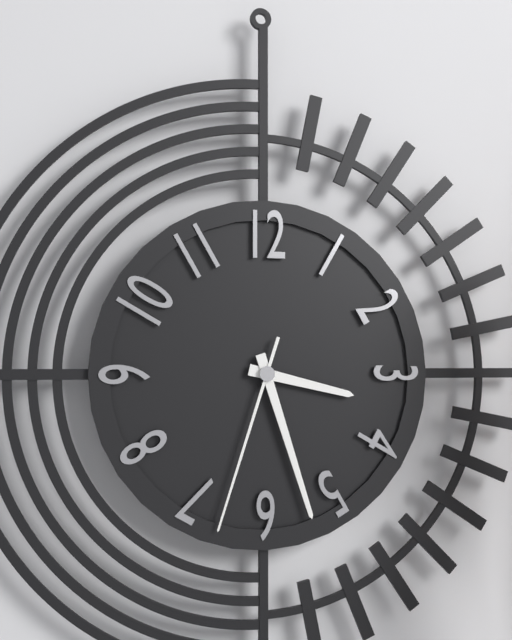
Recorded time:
{"hour": 3, "minute": 27, "second": 33}
